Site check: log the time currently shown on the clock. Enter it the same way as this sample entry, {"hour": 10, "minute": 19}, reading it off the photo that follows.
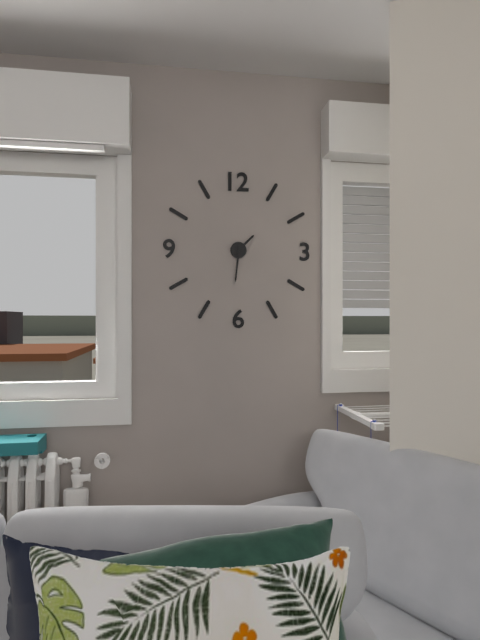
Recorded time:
{"hour": 1, "minute": 31}
